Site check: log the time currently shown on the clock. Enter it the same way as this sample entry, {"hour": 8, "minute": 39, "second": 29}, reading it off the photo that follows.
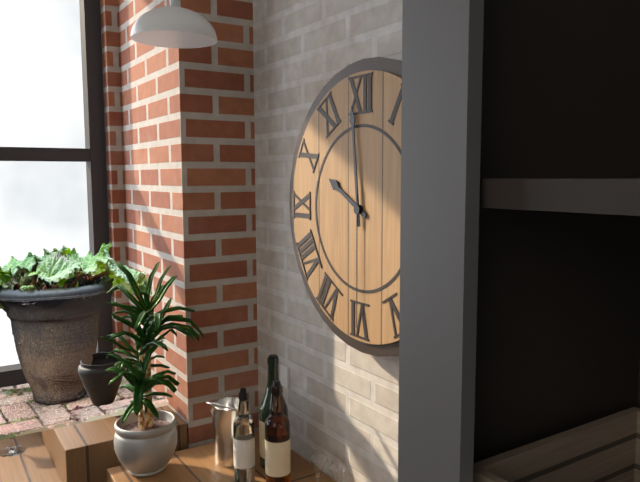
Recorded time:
{"hour": 9, "minute": 59, "second": 30}
